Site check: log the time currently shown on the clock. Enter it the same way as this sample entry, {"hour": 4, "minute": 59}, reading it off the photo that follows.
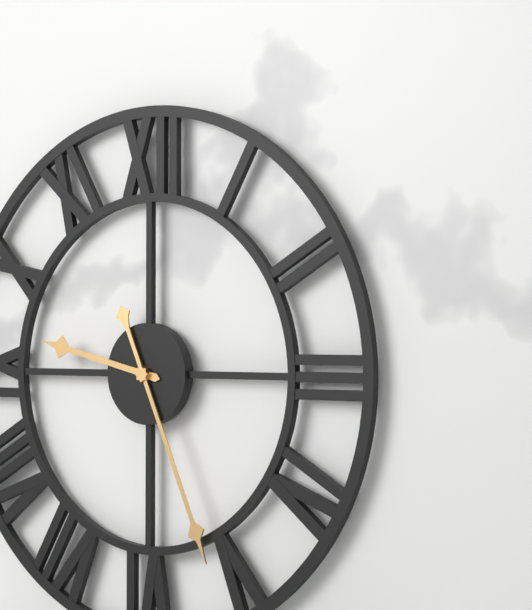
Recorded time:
{"hour": 9, "minute": 26}
